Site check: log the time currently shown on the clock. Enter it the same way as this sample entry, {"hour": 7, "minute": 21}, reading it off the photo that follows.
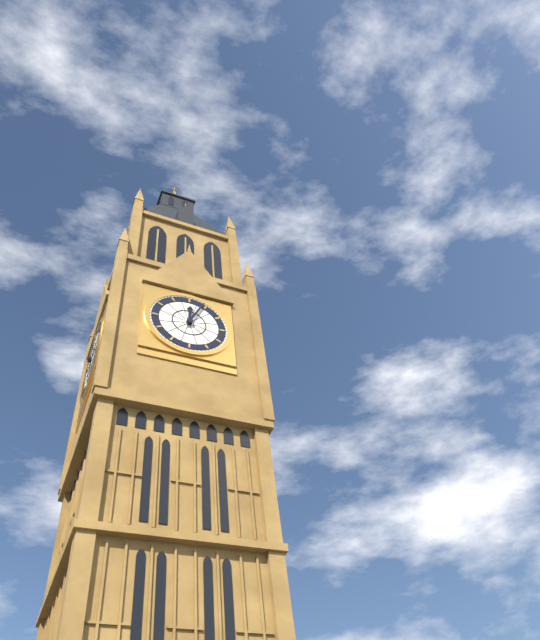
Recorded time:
{"hour": 12, "minute": 4}
